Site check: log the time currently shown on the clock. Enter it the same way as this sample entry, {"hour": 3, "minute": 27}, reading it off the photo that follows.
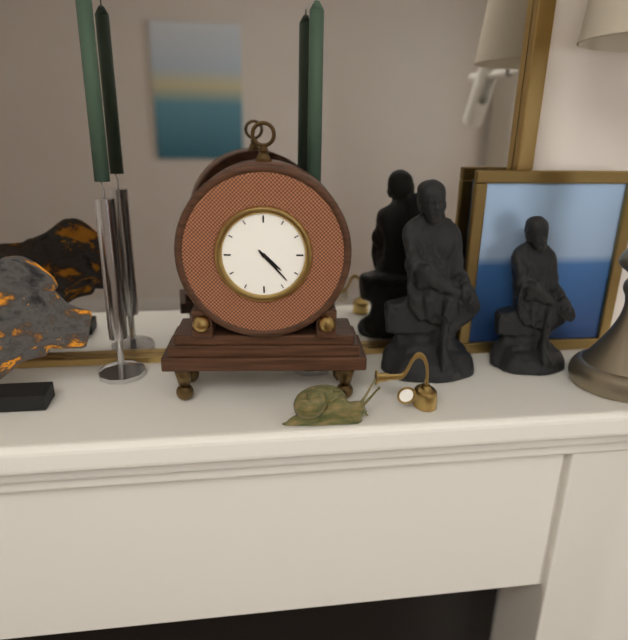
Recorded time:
{"hour": 4, "minute": 23}
